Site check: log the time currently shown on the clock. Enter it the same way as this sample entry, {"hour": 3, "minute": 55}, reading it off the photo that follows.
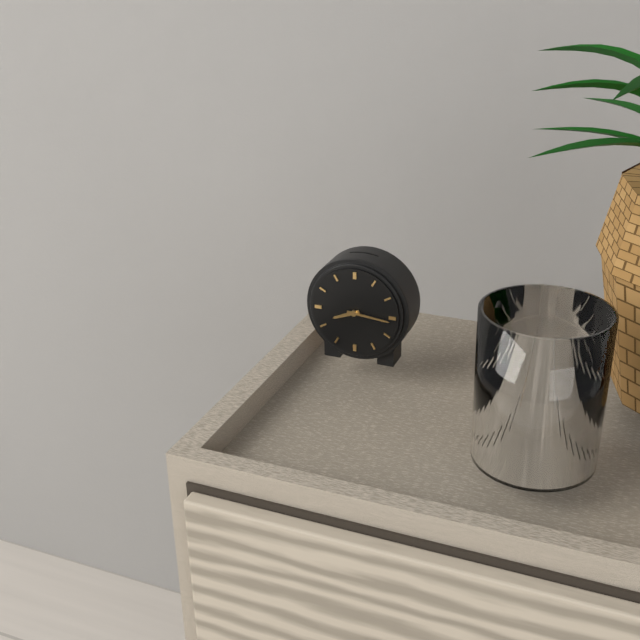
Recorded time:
{"hour": 8, "minute": 16}
